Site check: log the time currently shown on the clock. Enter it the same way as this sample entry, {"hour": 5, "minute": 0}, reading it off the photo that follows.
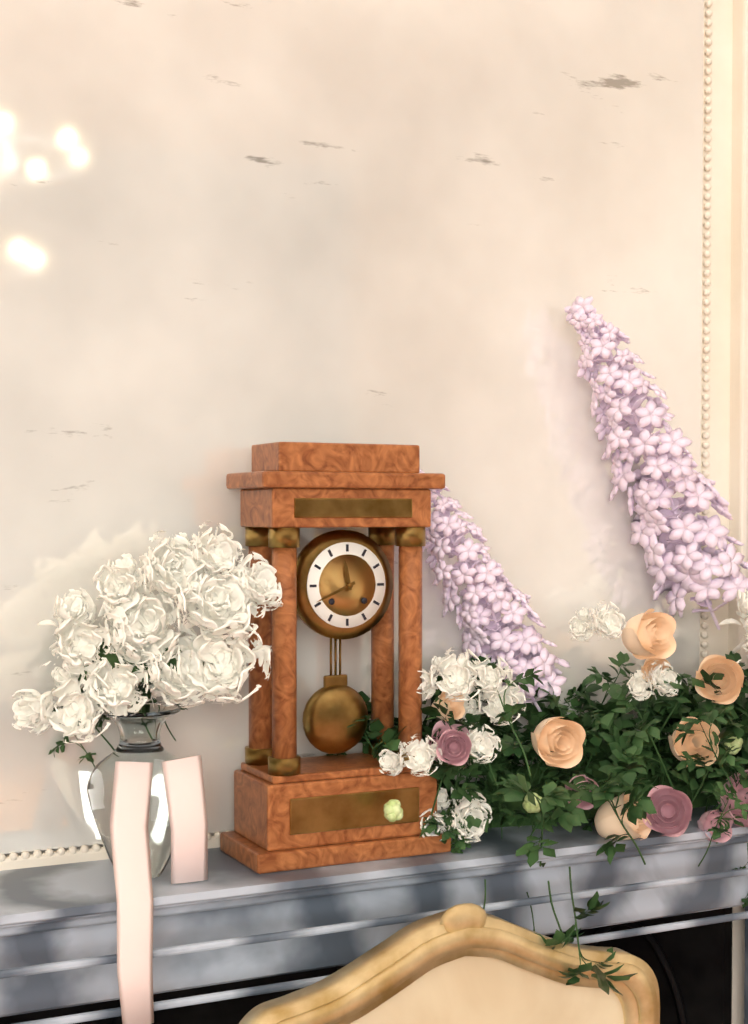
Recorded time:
{"hour": 11, "minute": 41}
